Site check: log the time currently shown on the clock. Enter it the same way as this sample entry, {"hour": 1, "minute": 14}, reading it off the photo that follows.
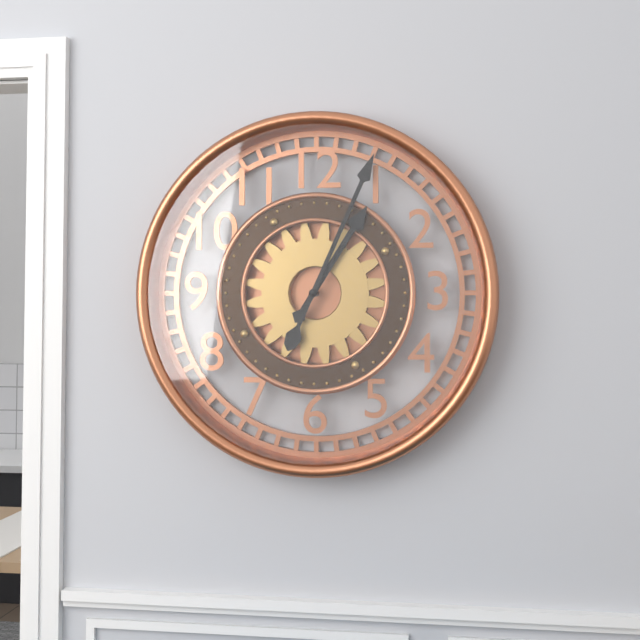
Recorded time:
{"hour": 1, "minute": 4}
